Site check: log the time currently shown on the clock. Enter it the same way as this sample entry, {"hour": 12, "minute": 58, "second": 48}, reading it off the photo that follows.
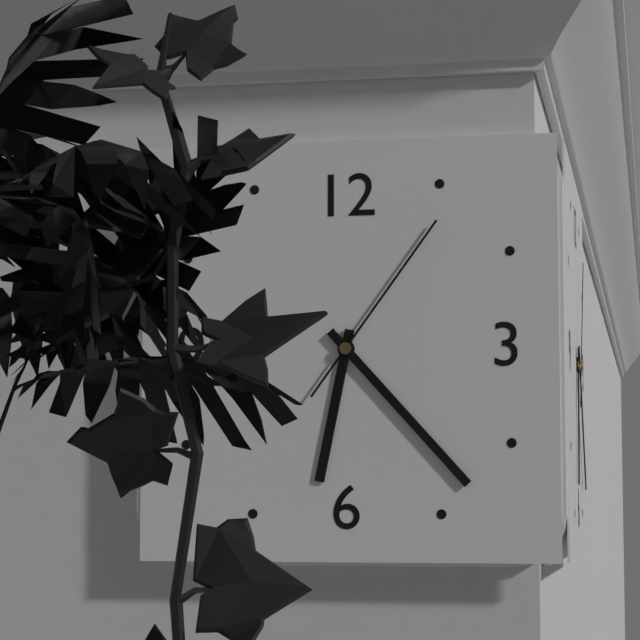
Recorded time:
{"hour": 6, "minute": 23, "second": 6}
